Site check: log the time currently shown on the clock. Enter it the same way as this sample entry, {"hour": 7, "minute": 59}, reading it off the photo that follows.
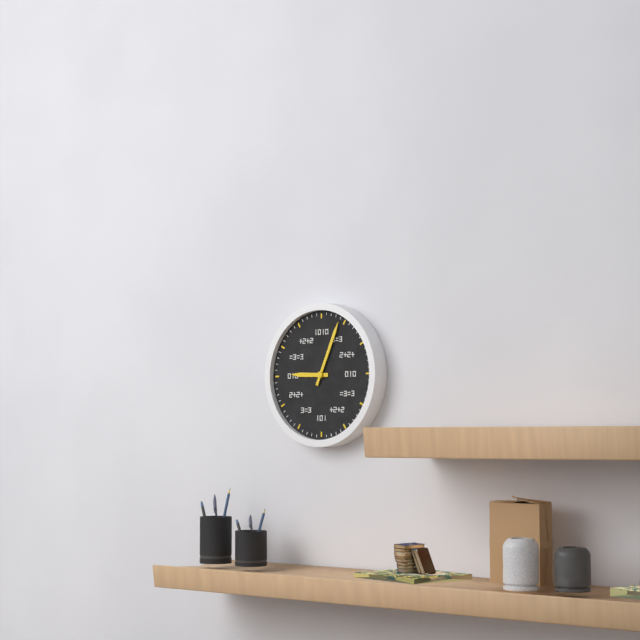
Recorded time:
{"hour": 9, "minute": 4}
